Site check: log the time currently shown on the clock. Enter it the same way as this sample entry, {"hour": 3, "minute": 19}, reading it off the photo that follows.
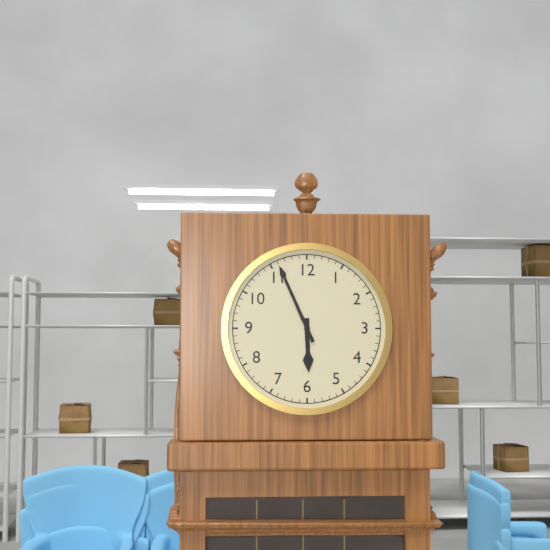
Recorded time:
{"hour": 5, "minute": 56}
